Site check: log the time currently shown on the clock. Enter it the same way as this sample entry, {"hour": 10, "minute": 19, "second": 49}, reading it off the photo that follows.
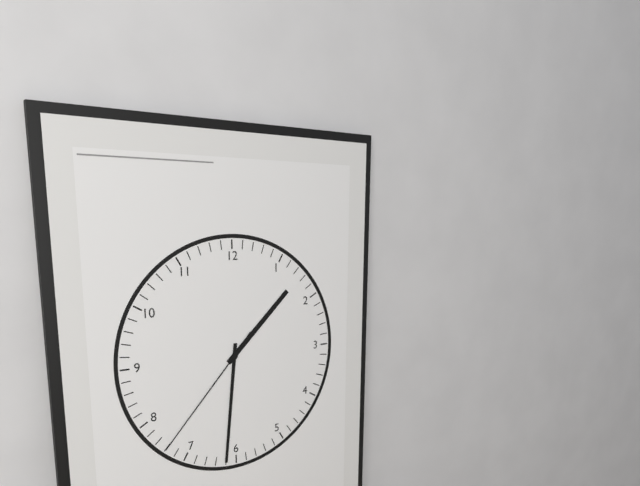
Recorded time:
{"hour": 1, "minute": 31, "second": 37}
